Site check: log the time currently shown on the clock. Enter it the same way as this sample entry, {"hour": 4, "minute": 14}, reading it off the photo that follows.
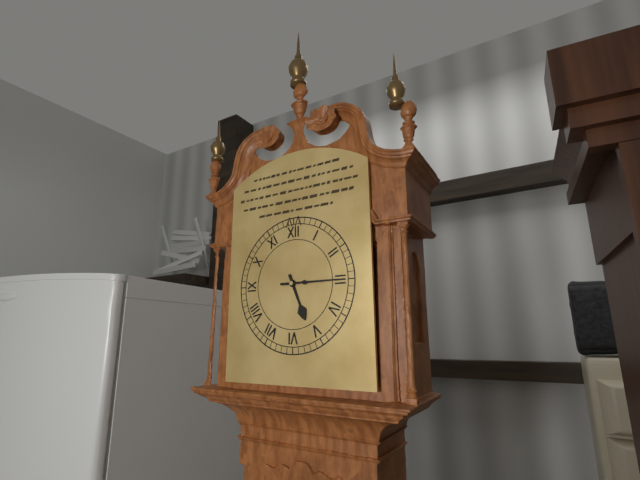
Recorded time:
{"hour": 5, "minute": 15}
